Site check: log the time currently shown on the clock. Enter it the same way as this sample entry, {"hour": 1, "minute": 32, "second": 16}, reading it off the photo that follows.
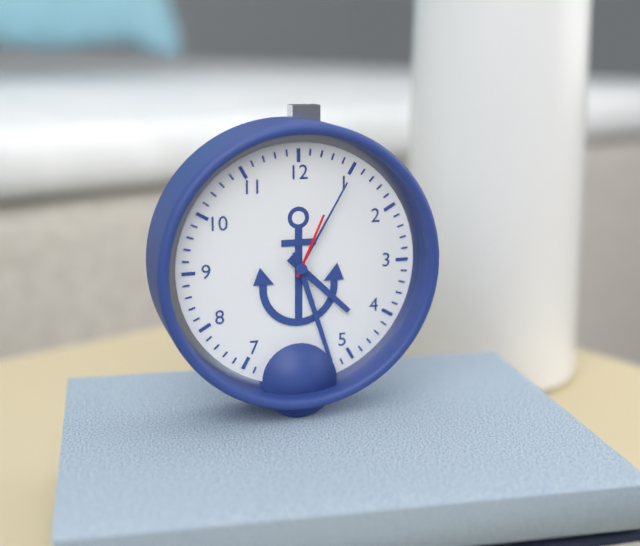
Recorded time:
{"hour": 4, "minute": 27, "second": 4}
